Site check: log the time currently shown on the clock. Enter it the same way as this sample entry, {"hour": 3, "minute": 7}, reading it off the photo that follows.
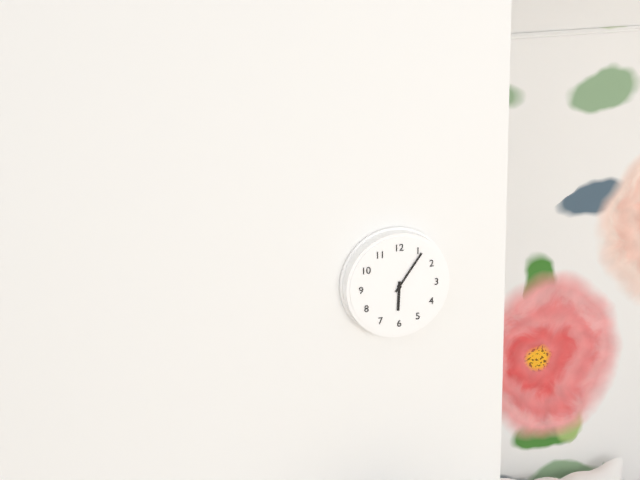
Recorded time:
{"hour": 6, "minute": 6}
